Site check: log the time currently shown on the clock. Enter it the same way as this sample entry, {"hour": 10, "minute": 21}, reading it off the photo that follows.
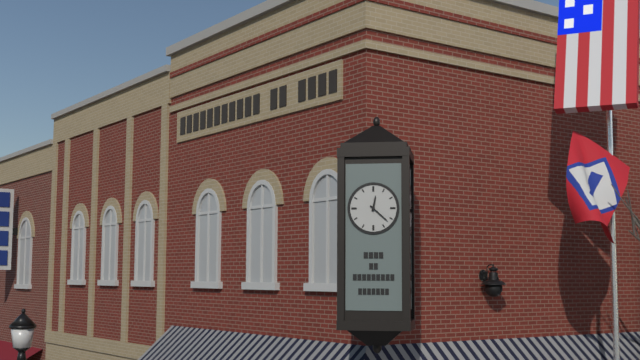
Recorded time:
{"hour": 12, "minute": 22}
